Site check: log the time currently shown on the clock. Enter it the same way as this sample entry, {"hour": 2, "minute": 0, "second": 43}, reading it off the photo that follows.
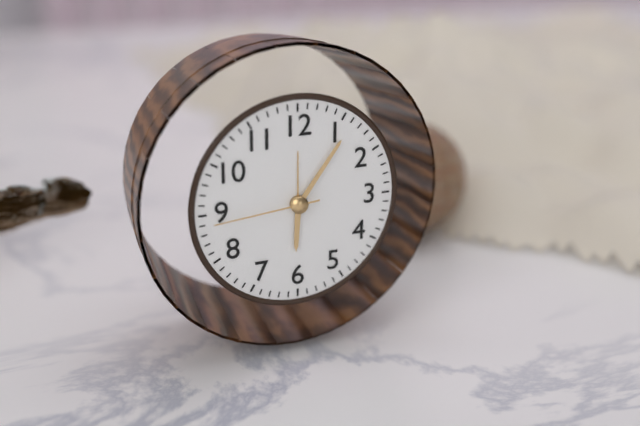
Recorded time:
{"hour": 6, "minute": 6, "second": 44}
